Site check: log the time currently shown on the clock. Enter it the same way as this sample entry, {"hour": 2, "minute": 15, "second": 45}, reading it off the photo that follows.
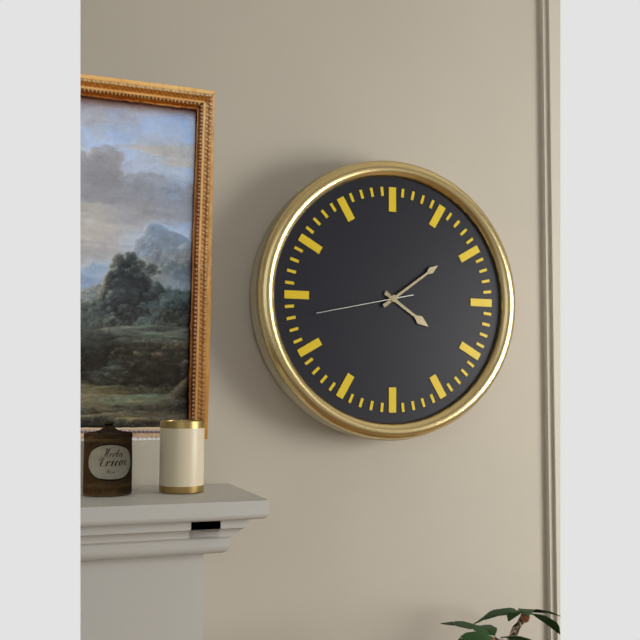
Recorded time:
{"hour": 4, "minute": 9, "second": 43}
